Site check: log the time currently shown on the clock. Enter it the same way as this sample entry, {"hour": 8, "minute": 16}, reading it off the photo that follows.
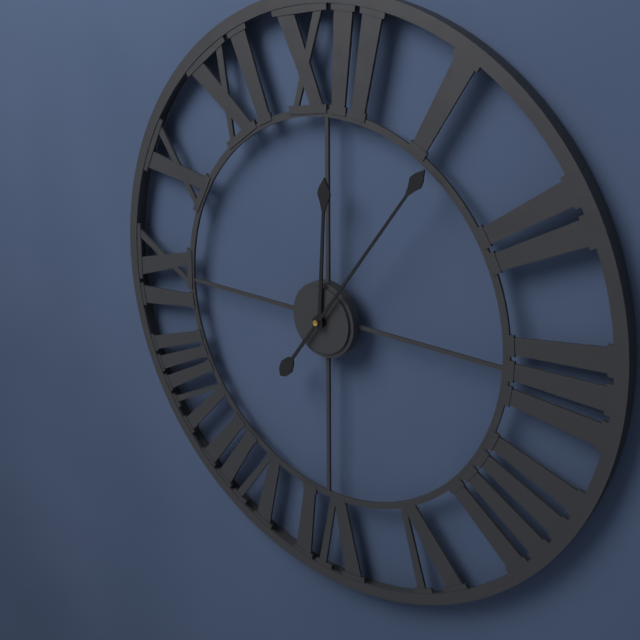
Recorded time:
{"hour": 12, "minute": 6}
